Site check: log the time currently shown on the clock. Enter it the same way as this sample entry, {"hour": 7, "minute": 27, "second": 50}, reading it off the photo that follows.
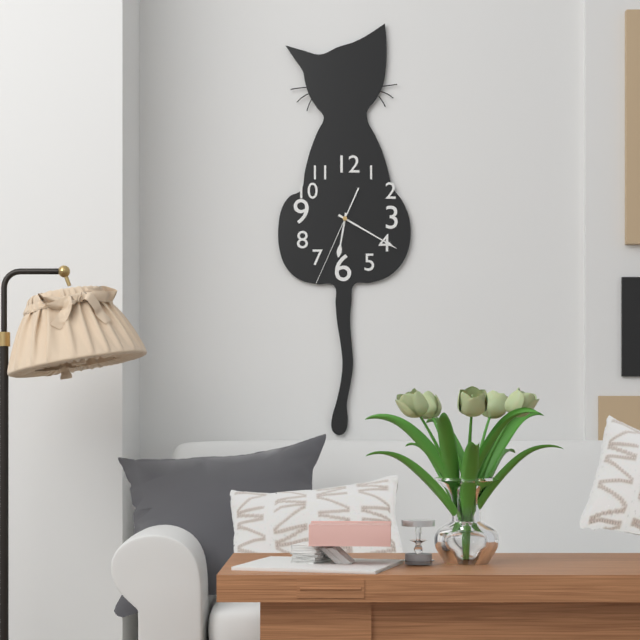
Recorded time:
{"hour": 6, "minute": 20, "second": 34}
